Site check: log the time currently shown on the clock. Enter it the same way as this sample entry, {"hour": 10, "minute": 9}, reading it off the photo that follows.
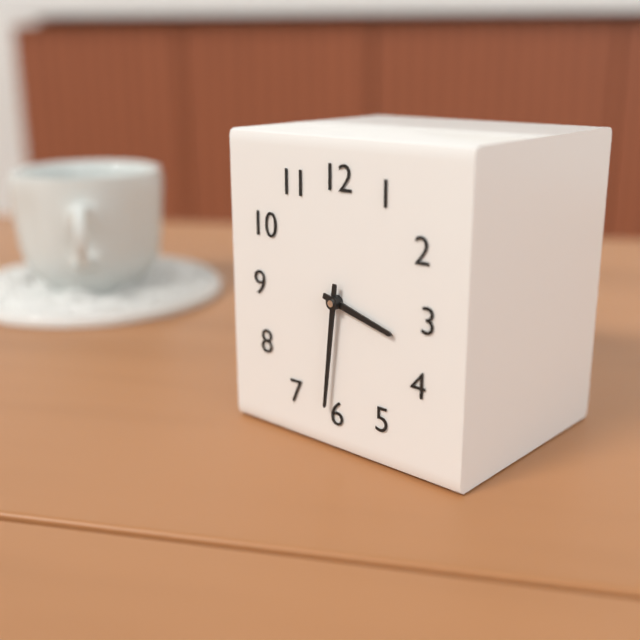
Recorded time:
{"hour": 3, "minute": 31}
